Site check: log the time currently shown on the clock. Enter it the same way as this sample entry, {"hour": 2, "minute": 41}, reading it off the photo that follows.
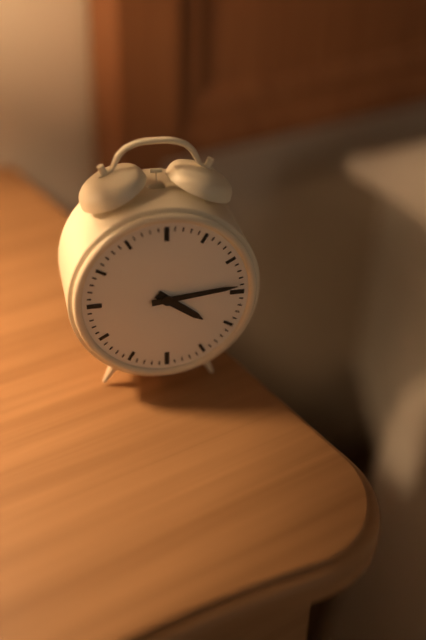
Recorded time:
{"hour": 4, "minute": 14}
